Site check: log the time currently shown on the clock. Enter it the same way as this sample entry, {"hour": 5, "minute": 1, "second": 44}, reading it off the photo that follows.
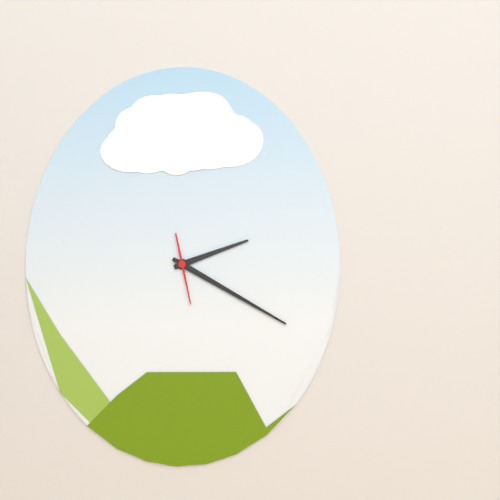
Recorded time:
{"hour": 2, "minute": 20, "second": 28}
